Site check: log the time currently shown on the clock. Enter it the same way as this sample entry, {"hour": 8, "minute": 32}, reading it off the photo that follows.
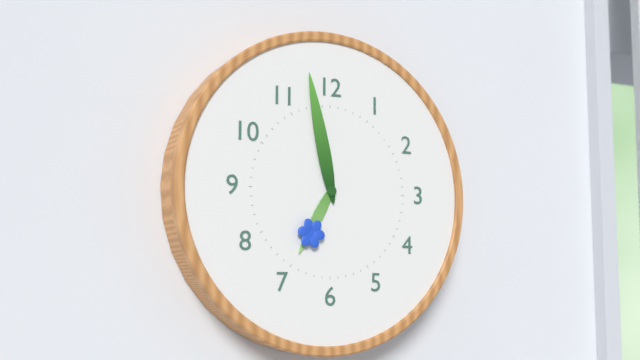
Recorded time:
{"hour": 6, "minute": 58}
